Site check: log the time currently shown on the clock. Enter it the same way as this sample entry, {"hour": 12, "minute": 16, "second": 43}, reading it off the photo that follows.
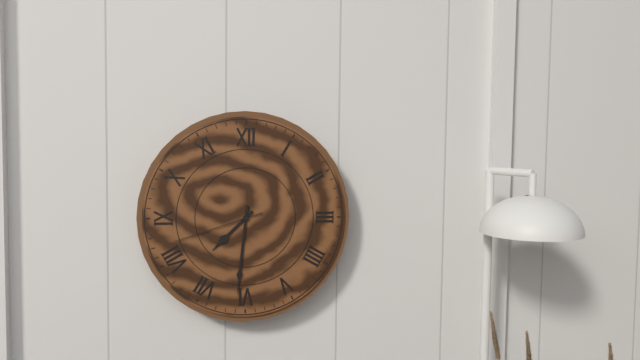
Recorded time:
{"hour": 7, "minute": 31, "second": 42}
